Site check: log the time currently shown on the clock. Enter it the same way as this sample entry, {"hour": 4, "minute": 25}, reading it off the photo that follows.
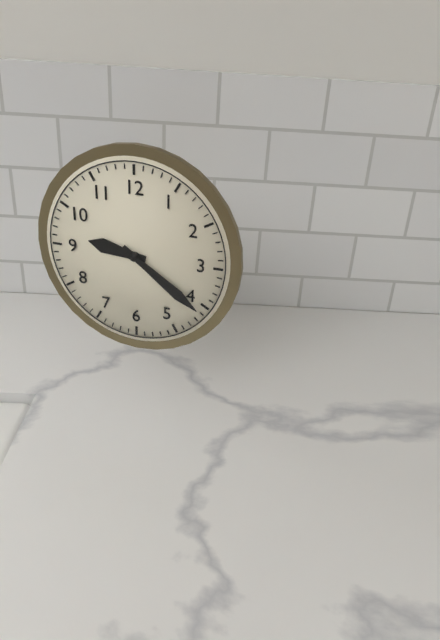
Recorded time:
{"hour": 9, "minute": 21}
